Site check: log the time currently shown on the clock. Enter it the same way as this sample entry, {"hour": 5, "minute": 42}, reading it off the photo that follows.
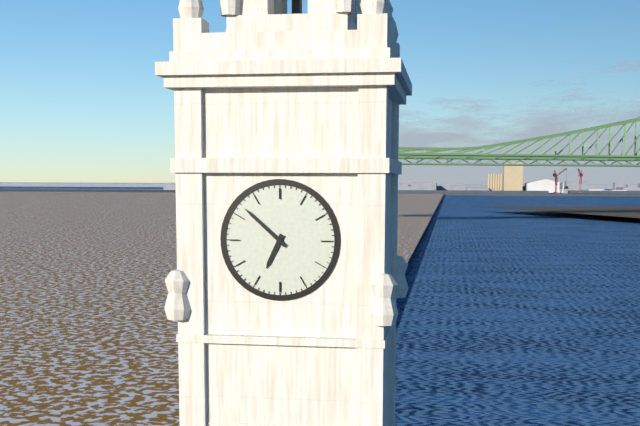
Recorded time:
{"hour": 6, "minute": 52}
